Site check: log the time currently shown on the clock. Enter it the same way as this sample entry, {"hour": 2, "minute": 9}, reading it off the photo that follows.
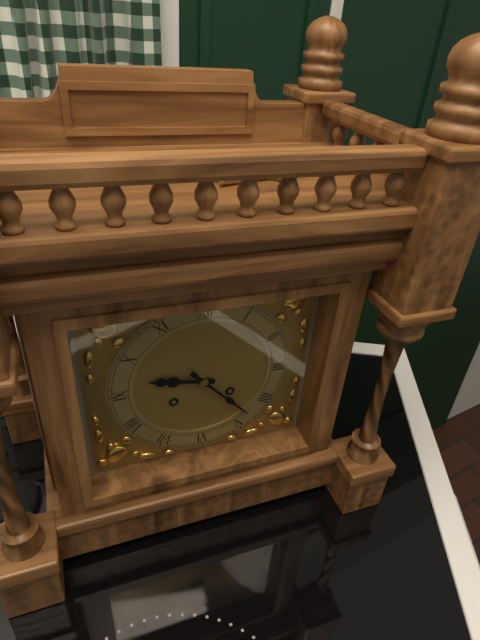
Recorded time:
{"hour": 9, "minute": 23}
